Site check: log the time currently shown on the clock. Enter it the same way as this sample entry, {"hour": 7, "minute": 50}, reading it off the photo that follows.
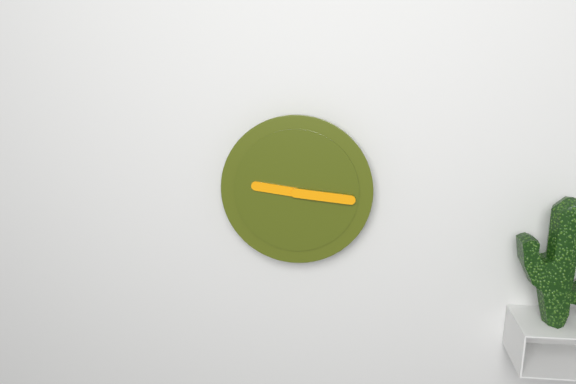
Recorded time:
{"hour": 9, "minute": 16}
